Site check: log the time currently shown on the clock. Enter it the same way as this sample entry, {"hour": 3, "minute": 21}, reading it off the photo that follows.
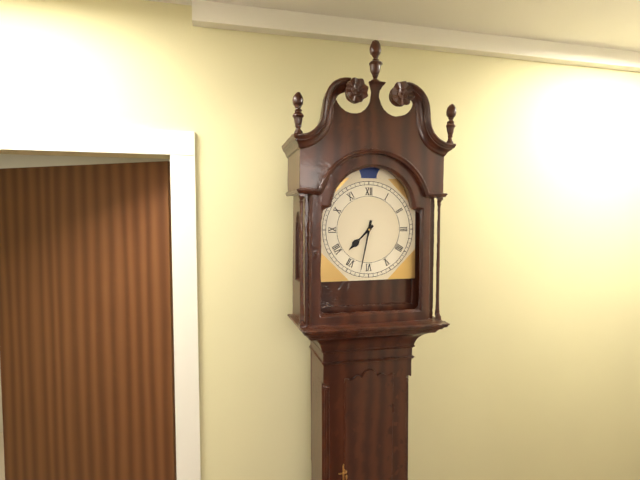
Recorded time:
{"hour": 7, "minute": 32}
